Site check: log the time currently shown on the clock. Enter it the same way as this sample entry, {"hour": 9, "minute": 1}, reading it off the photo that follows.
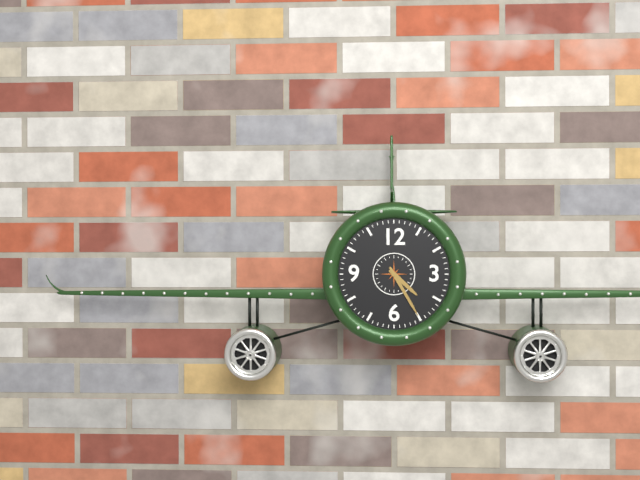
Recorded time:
{"hour": 4, "minute": 25}
